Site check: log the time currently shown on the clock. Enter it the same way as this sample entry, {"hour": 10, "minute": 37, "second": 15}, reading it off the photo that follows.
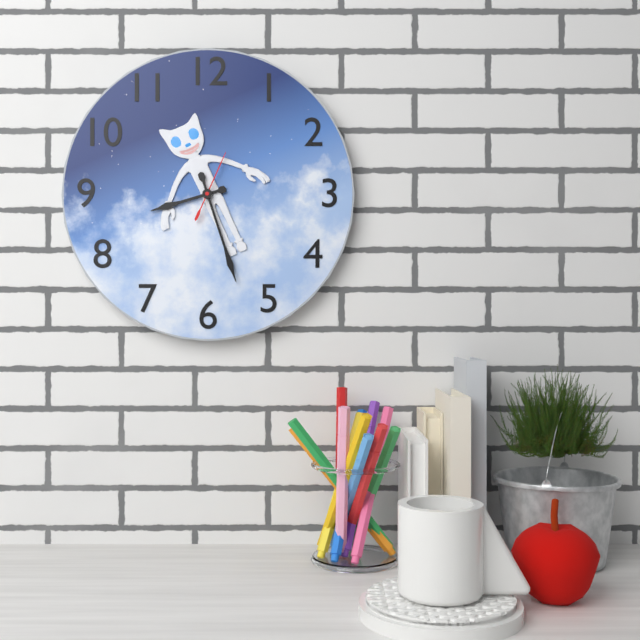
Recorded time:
{"hour": 8, "minute": 27, "second": 4}
